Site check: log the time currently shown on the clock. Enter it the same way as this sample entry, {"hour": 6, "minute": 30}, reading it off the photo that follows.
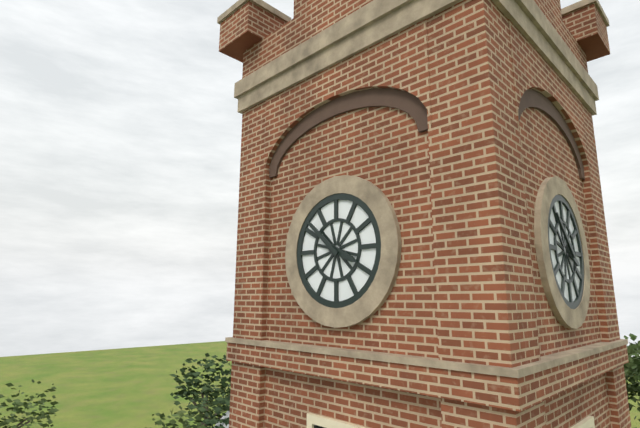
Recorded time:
{"hour": 3, "minute": 52}
